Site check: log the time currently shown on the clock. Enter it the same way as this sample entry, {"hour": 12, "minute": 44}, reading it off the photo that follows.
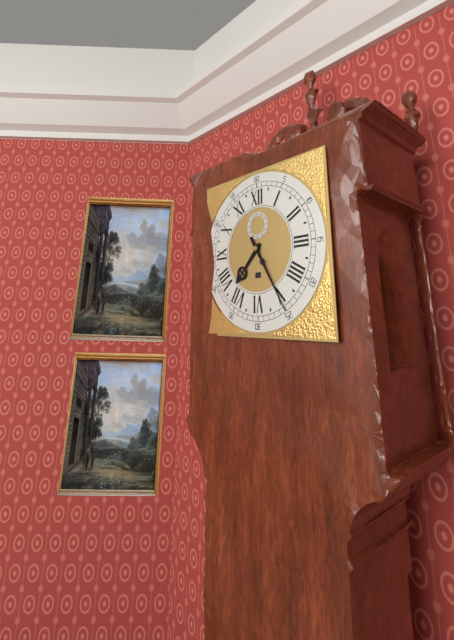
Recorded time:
{"hour": 7, "minute": 25}
